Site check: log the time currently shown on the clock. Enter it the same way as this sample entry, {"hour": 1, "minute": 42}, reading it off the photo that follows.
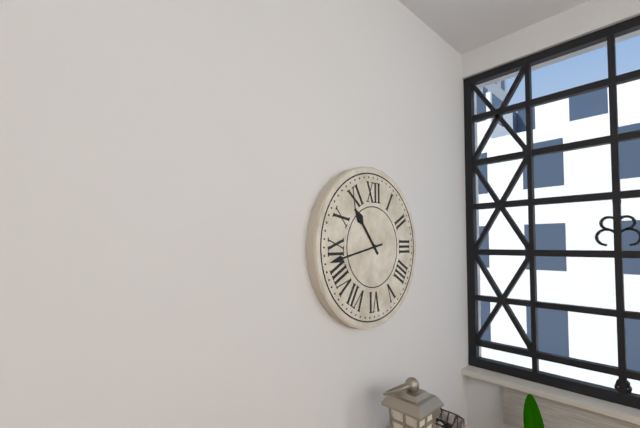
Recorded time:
{"hour": 10, "minute": 43}
